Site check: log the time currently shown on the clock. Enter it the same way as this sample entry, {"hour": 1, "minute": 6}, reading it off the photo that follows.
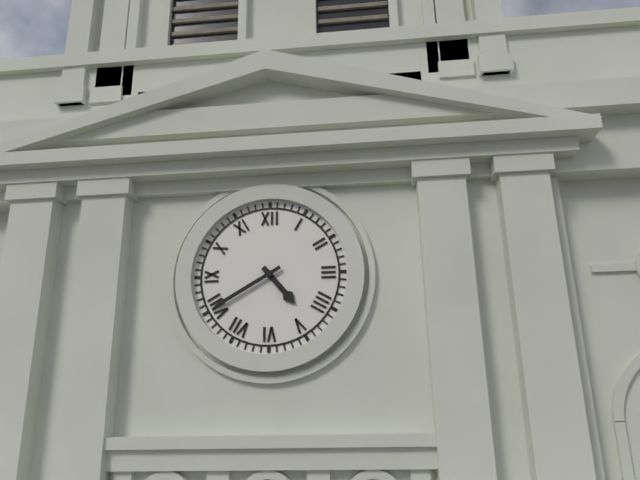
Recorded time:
{"hour": 4, "minute": 40}
